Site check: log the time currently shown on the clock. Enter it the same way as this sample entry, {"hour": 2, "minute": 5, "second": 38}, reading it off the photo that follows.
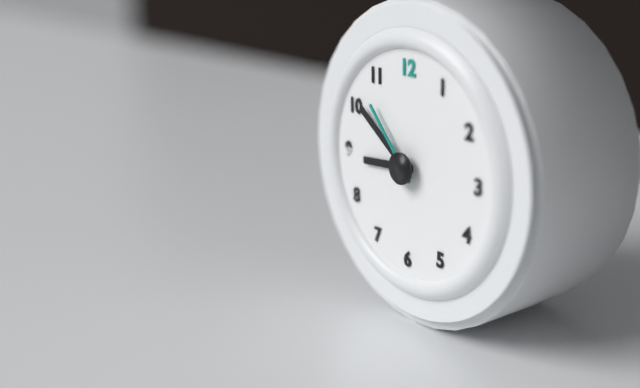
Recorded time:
{"hour": 8, "minute": 51, "second": 53}
